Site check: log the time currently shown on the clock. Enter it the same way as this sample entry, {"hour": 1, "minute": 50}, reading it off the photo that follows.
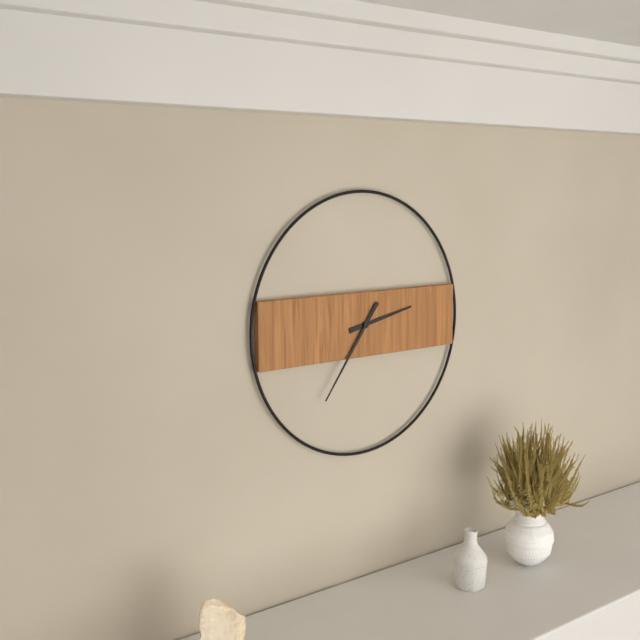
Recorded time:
{"hour": 2, "minute": 36}
